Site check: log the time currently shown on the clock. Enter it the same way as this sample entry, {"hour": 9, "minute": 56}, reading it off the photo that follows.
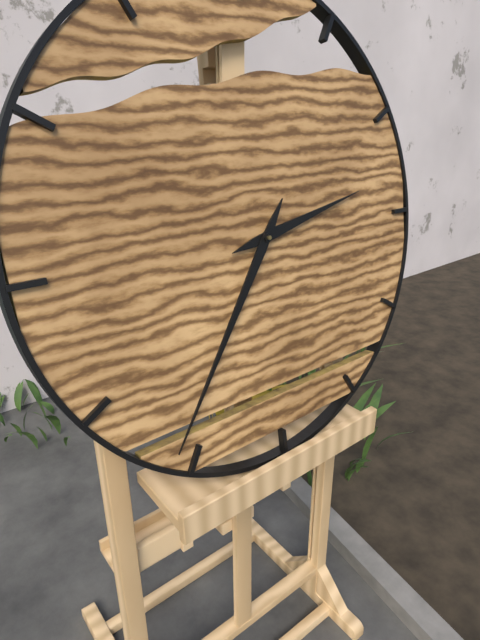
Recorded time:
{"hour": 2, "minute": 36}
